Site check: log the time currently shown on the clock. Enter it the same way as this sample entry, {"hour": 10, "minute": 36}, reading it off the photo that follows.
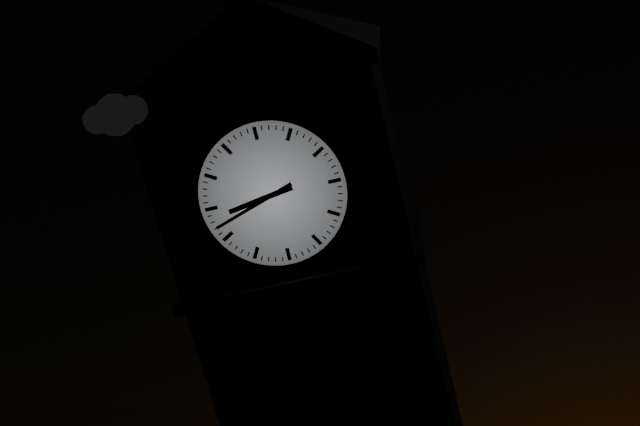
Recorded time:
{"hour": 8, "minute": 42}
